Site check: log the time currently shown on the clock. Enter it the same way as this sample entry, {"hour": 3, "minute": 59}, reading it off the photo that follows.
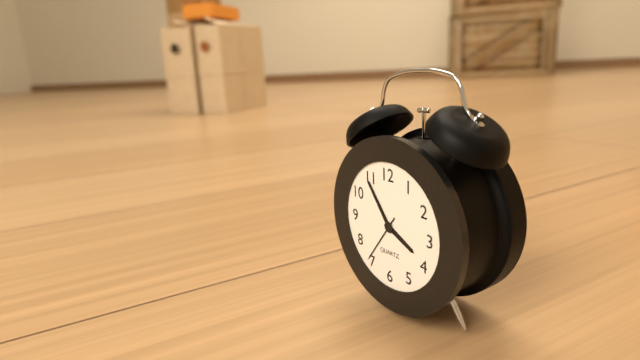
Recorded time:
{"hour": 3, "minute": 54}
